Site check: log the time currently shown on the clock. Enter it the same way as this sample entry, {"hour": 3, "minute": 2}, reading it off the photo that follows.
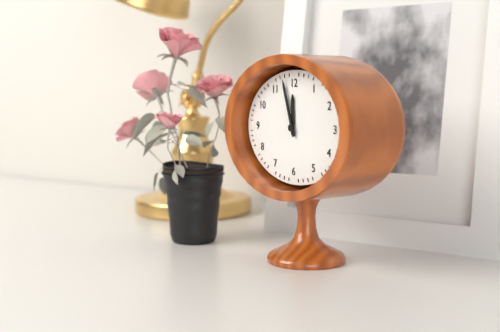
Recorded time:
{"hour": 11, "minute": 57}
